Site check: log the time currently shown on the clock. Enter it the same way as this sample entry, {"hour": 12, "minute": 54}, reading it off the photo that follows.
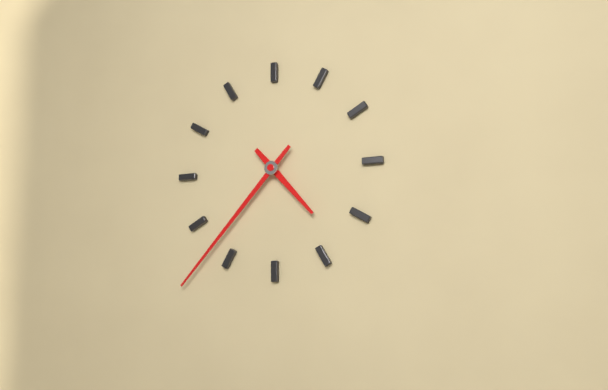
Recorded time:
{"hour": 4, "minute": 37}
